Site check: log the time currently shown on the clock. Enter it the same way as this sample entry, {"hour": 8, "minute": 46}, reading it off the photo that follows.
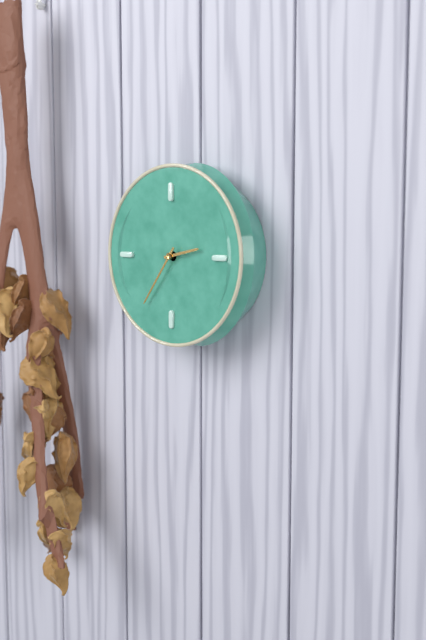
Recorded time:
{"hour": 2, "minute": 36}
